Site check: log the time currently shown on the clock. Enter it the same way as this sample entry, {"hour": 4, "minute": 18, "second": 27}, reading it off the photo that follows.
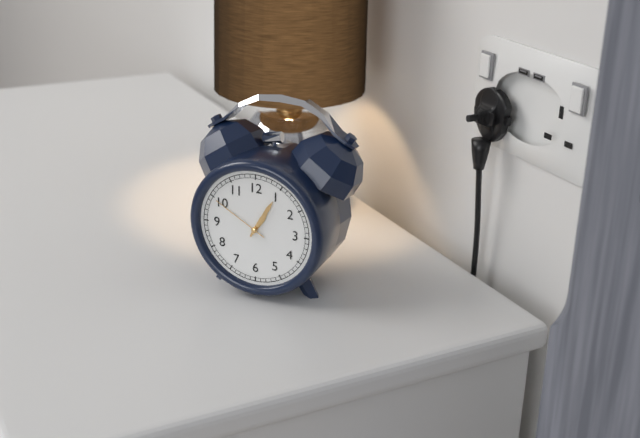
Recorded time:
{"hour": 1, "minute": 5, "second": 50}
